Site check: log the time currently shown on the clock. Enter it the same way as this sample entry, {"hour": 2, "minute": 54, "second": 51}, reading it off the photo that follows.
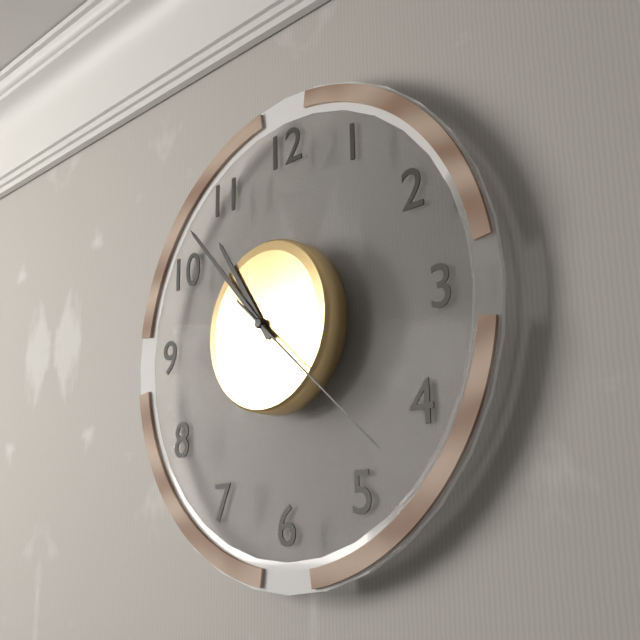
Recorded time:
{"hour": 10, "minute": 53, "second": 22}
